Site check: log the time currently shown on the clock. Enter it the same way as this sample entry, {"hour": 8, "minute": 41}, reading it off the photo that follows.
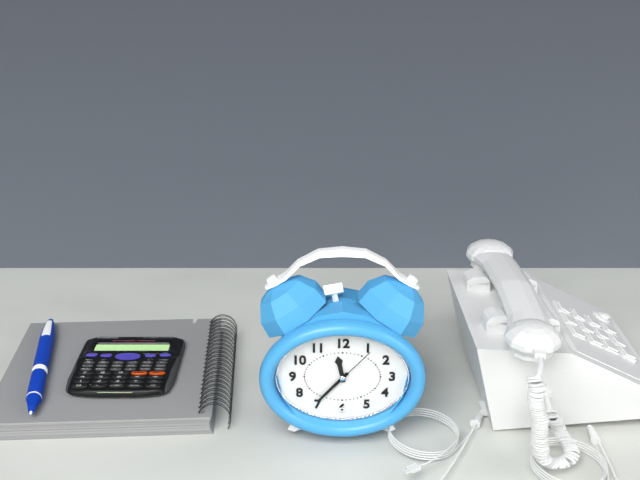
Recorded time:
{"hour": 11, "minute": 37}
